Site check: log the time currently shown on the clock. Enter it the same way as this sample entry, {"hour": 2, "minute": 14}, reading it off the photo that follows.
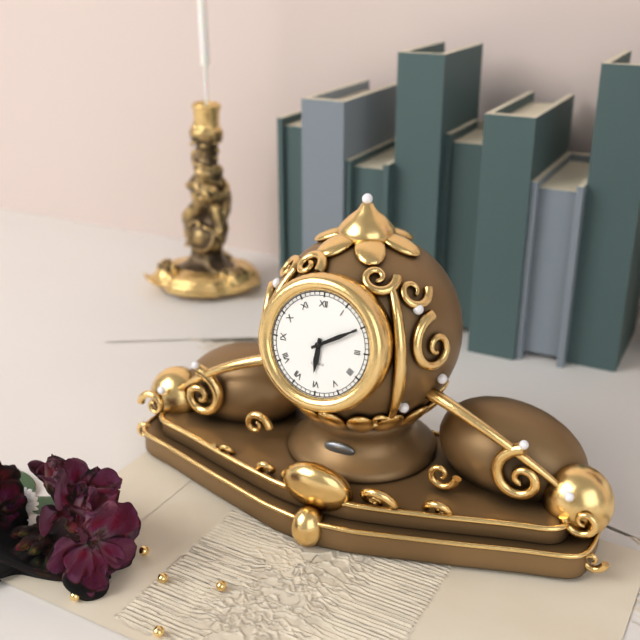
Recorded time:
{"hour": 6, "minute": 10}
